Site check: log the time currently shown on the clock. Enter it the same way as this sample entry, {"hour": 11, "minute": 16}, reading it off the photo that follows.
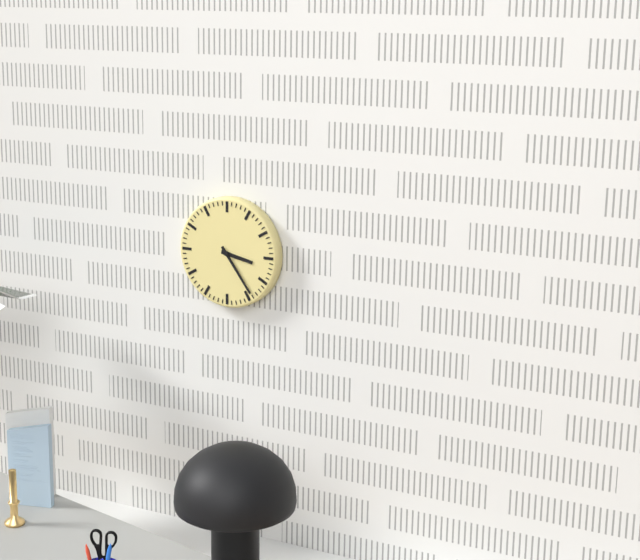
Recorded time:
{"hour": 3, "minute": 24}
